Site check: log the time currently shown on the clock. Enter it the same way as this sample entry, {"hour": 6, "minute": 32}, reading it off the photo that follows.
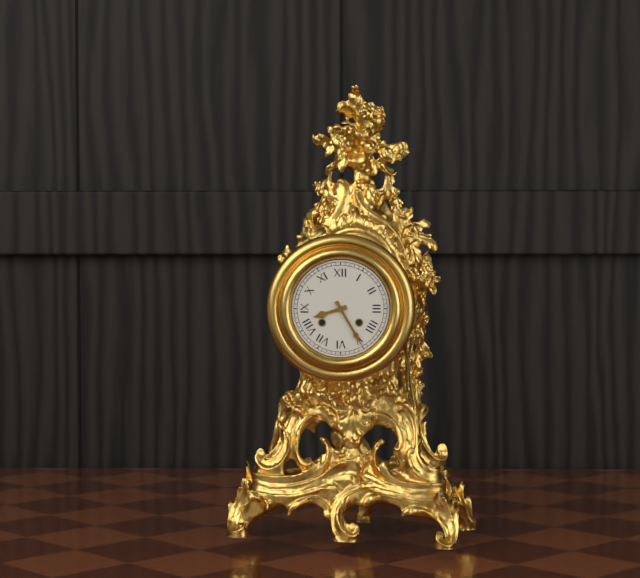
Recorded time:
{"hour": 8, "minute": 25}
